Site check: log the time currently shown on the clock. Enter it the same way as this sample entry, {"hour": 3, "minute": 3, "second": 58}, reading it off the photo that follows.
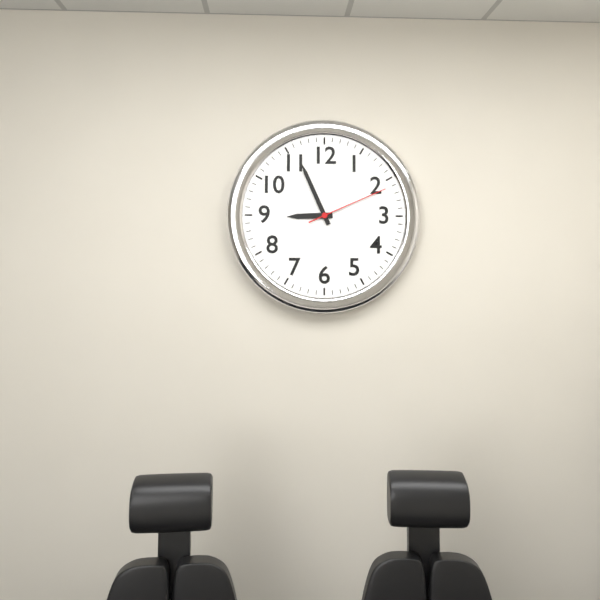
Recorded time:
{"hour": 8, "minute": 56, "second": 11}
